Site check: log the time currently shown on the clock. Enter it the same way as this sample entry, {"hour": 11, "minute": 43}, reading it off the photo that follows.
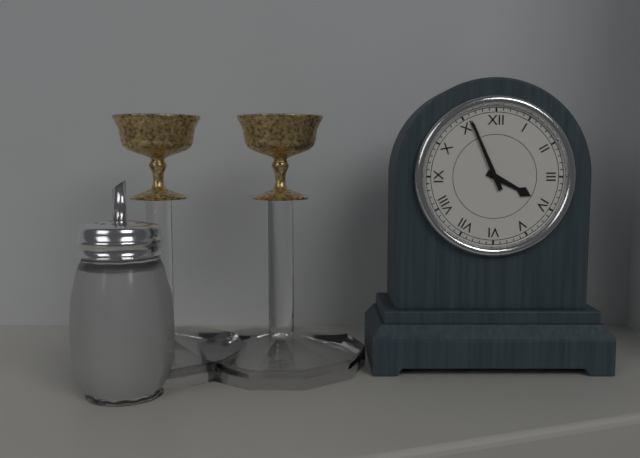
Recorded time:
{"hour": 3, "minute": 56}
